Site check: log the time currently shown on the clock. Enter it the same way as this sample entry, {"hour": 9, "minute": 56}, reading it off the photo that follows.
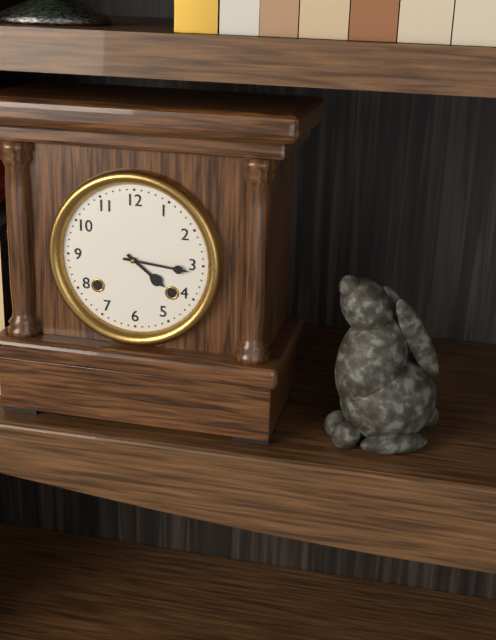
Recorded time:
{"hour": 4, "minute": 16}
